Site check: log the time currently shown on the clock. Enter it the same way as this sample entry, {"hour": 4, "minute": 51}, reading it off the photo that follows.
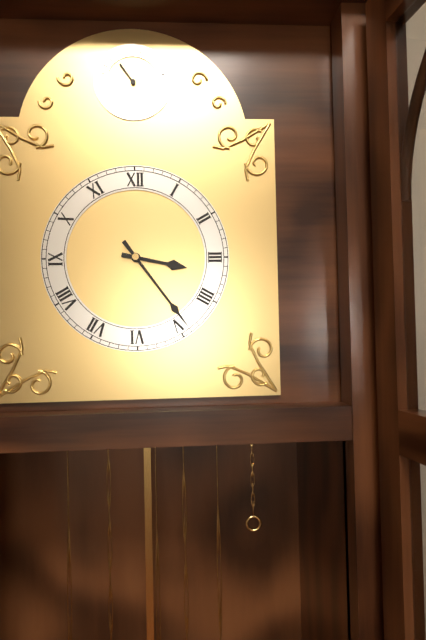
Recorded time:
{"hour": 3, "minute": 24}
